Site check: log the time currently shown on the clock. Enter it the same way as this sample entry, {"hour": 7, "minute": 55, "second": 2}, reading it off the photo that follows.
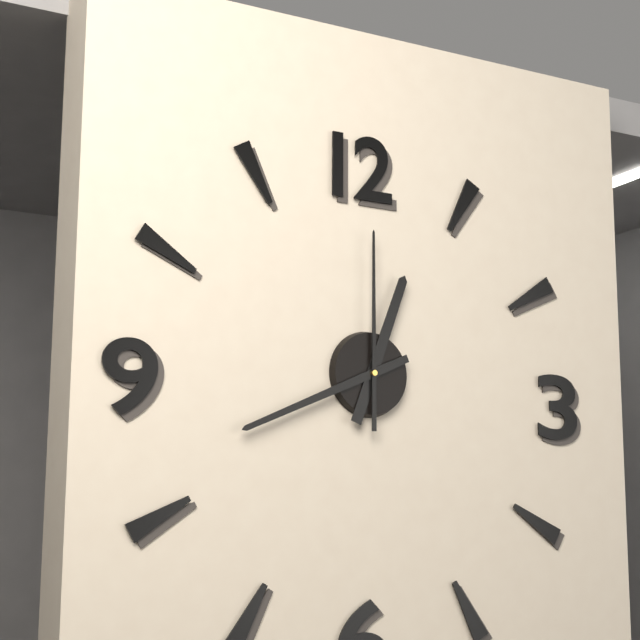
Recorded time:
{"hour": 12, "minute": 41, "second": 0}
